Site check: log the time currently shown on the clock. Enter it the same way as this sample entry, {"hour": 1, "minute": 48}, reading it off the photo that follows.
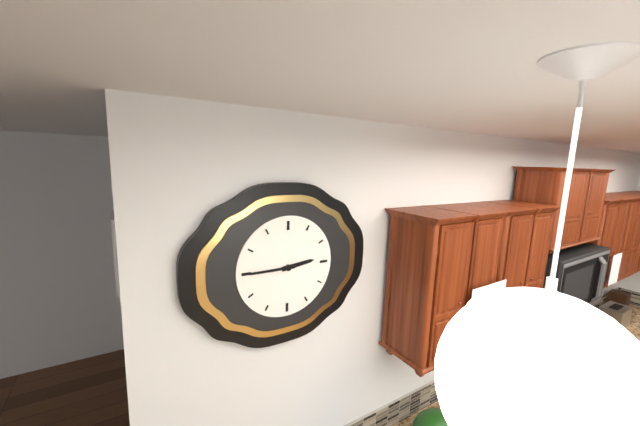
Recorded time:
{"hour": 2, "minute": 45}
